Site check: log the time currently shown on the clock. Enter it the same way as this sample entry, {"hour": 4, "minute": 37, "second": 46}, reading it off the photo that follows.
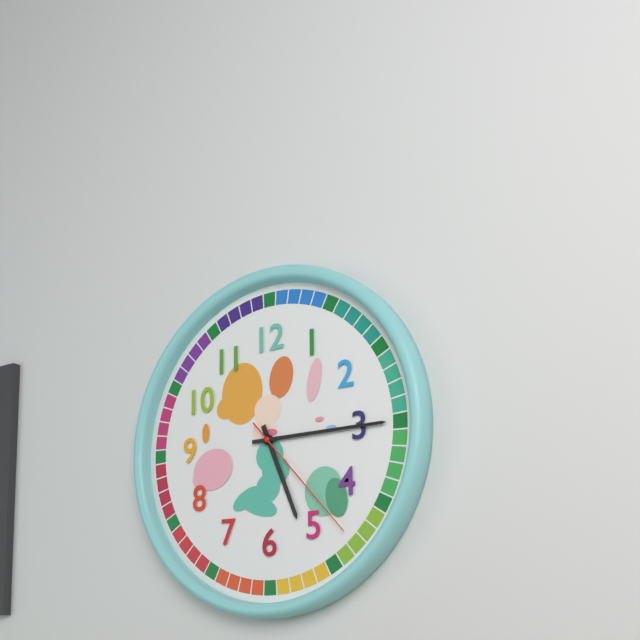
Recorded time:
{"hour": 5, "minute": 15, "second": 23}
